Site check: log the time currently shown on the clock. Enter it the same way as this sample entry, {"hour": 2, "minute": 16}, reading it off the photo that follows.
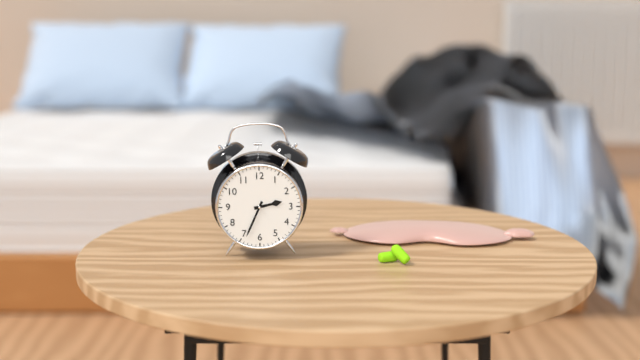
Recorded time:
{"hour": 2, "minute": 34}
